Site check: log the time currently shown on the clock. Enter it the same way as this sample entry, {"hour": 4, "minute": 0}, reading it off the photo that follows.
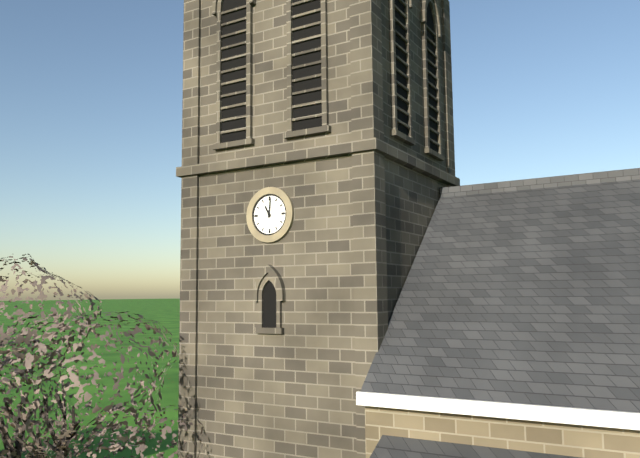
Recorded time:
{"hour": 11, "minute": 1}
